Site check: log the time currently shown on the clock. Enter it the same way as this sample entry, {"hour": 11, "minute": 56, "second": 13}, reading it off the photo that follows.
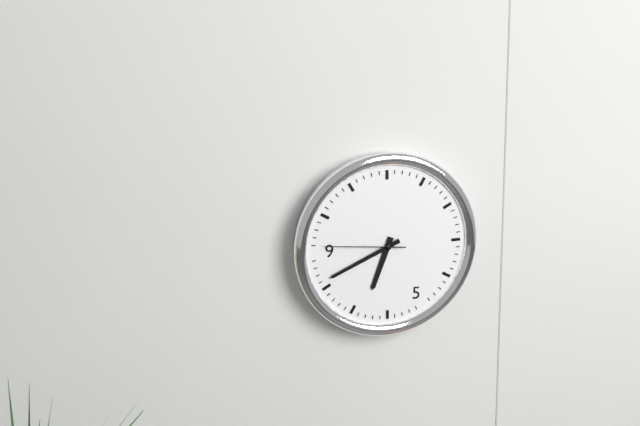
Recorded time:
{"hour": 6, "minute": 41, "second": 46}
